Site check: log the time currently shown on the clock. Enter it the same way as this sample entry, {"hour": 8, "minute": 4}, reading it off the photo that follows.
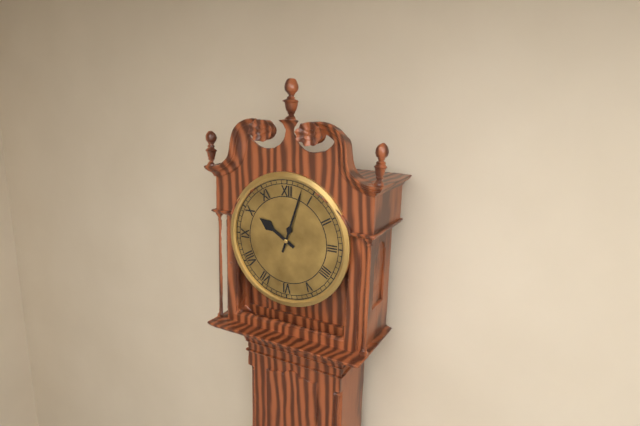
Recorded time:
{"hour": 10, "minute": 3}
